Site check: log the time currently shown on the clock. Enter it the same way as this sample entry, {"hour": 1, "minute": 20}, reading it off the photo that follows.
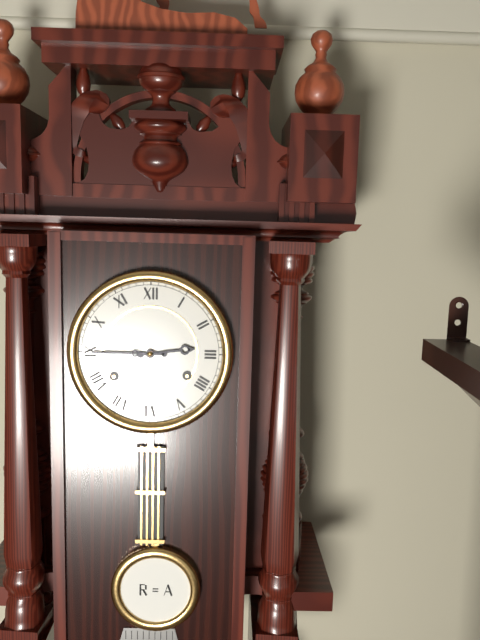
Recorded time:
{"hour": 2, "minute": 45}
